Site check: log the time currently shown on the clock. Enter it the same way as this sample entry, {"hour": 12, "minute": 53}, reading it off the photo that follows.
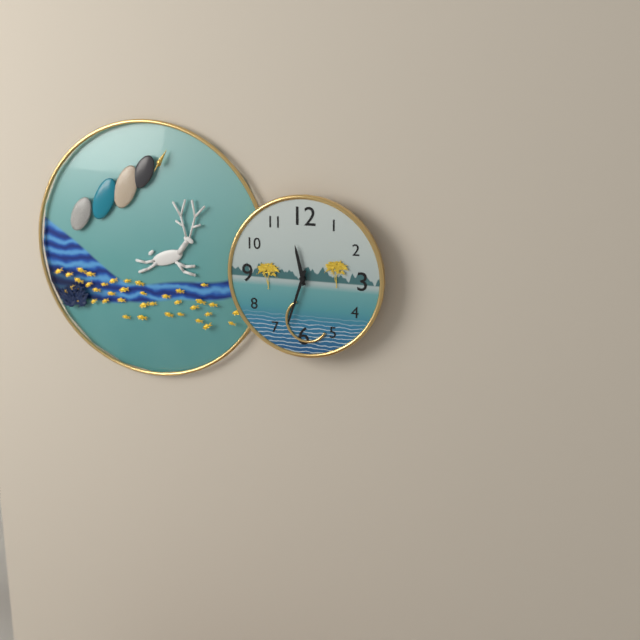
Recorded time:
{"hour": 11, "minute": 33}
